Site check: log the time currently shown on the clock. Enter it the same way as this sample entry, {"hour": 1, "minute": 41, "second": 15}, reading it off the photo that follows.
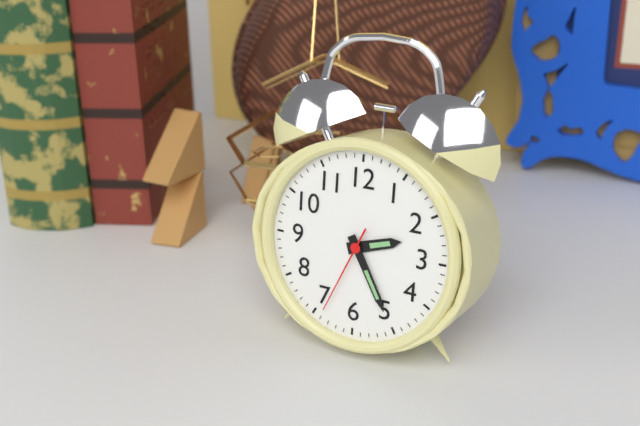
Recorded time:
{"hour": 2, "minute": 25, "second": 34}
